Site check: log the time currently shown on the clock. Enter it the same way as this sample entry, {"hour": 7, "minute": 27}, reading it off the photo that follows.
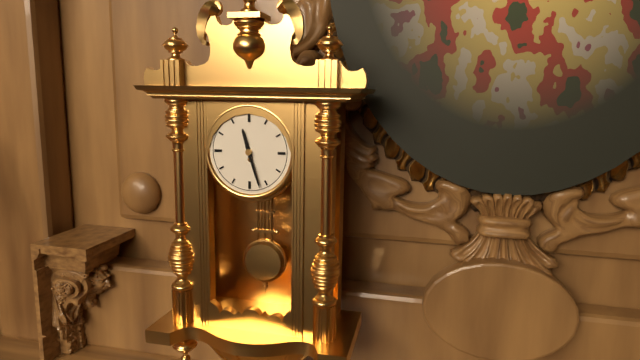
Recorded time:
{"hour": 11, "minute": 27}
